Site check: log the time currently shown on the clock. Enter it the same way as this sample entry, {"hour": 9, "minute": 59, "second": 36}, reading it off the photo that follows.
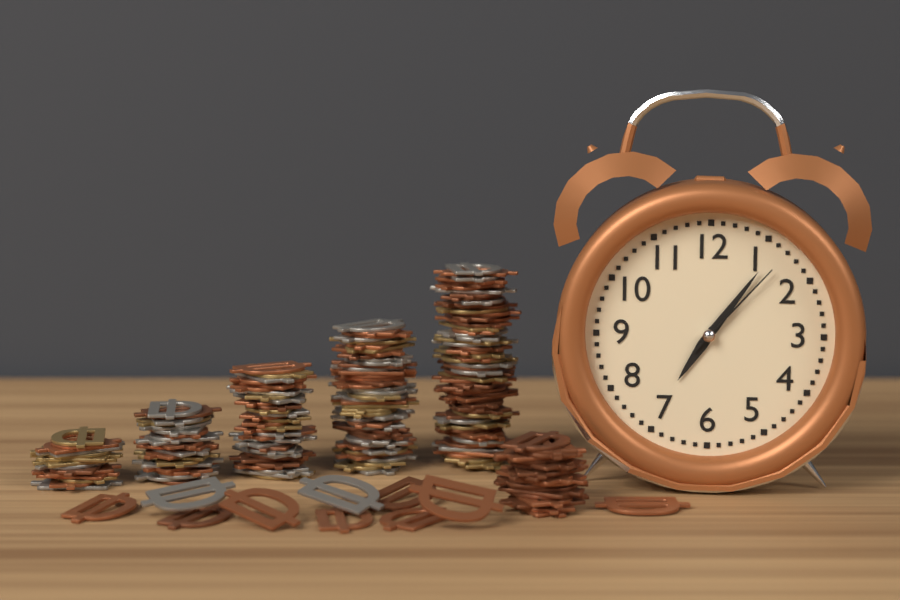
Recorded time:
{"hour": 7, "minute": 6, "second": 7}
